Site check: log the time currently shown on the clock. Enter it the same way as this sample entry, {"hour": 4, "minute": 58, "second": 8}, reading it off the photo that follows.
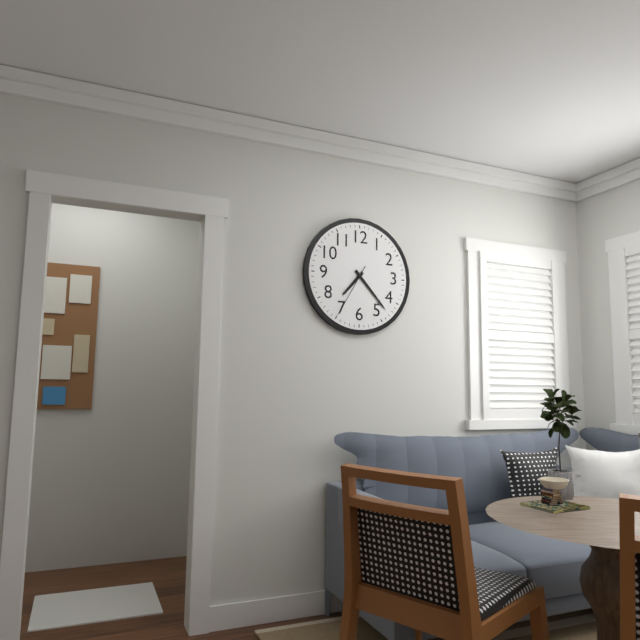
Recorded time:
{"hour": 7, "minute": 23, "second": 35}
